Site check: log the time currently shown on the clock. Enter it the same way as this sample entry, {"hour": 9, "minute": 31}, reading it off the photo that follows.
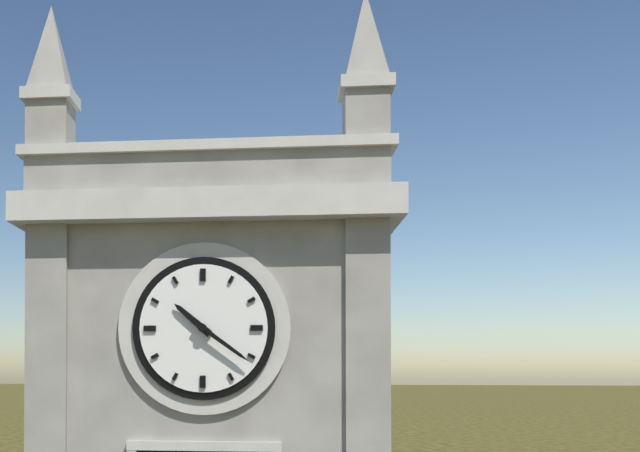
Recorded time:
{"hour": 10, "minute": 21}
